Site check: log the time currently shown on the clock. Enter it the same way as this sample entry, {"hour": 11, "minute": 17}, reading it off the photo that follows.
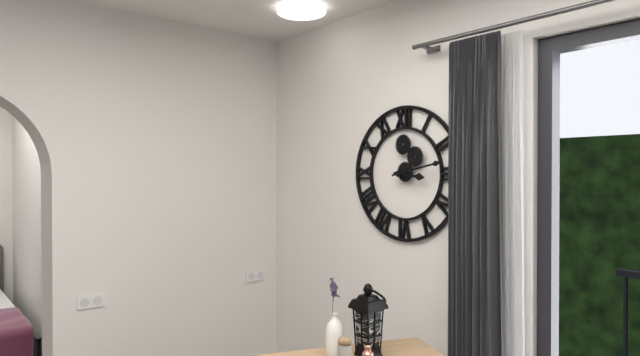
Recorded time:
{"hour": 3, "minute": 13}
